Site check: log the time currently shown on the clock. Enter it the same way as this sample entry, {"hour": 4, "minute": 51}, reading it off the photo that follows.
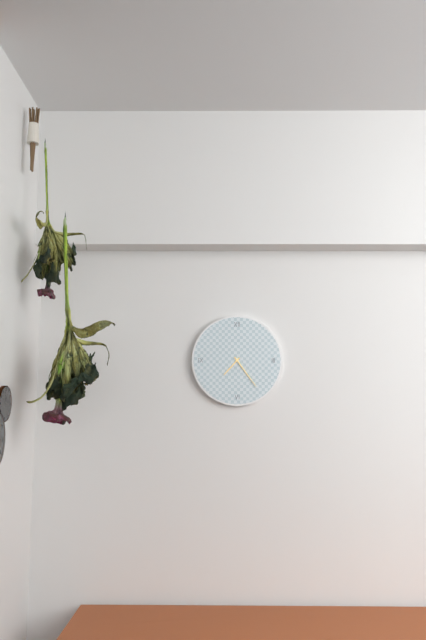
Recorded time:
{"hour": 7, "minute": 24}
